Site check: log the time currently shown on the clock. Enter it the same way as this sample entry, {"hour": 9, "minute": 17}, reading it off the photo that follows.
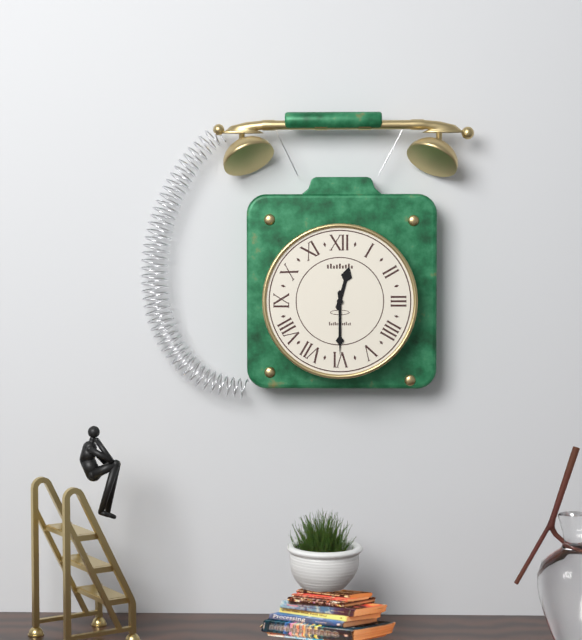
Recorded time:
{"hour": 12, "minute": 30}
